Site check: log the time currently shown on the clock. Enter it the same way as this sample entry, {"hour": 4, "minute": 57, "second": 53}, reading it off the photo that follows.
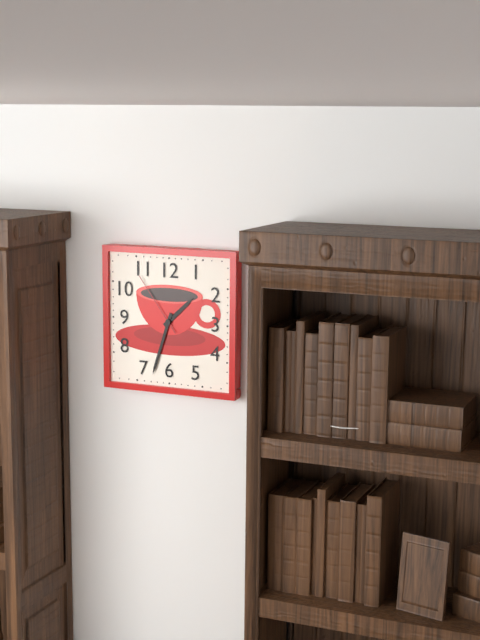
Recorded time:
{"hour": 1, "minute": 33, "second": 54}
